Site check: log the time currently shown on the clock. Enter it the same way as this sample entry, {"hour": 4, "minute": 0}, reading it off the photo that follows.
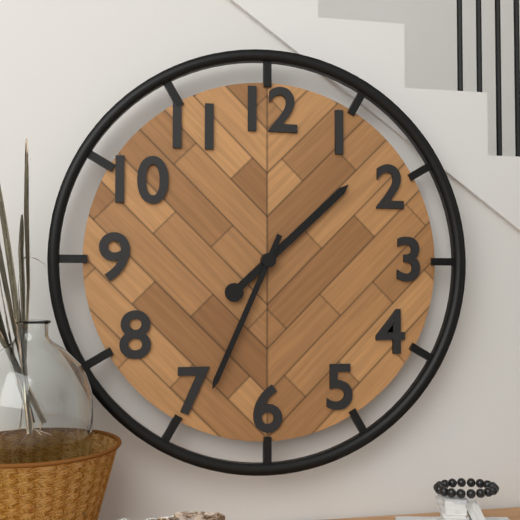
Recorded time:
{"hour": 1, "minute": 34}
